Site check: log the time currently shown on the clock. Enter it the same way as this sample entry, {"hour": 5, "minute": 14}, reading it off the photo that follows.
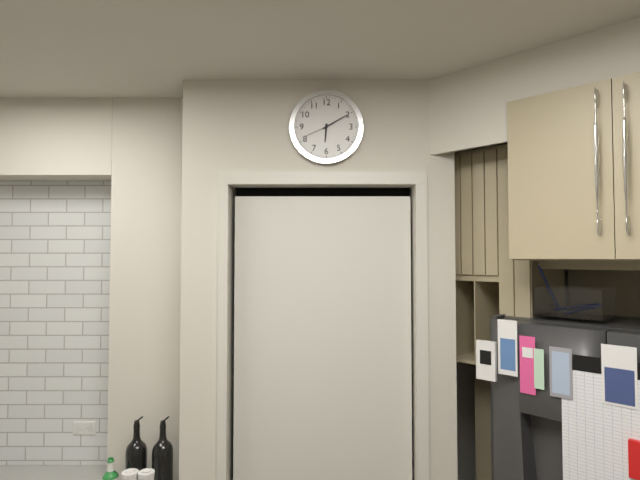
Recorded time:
{"hour": 6, "minute": 10}
